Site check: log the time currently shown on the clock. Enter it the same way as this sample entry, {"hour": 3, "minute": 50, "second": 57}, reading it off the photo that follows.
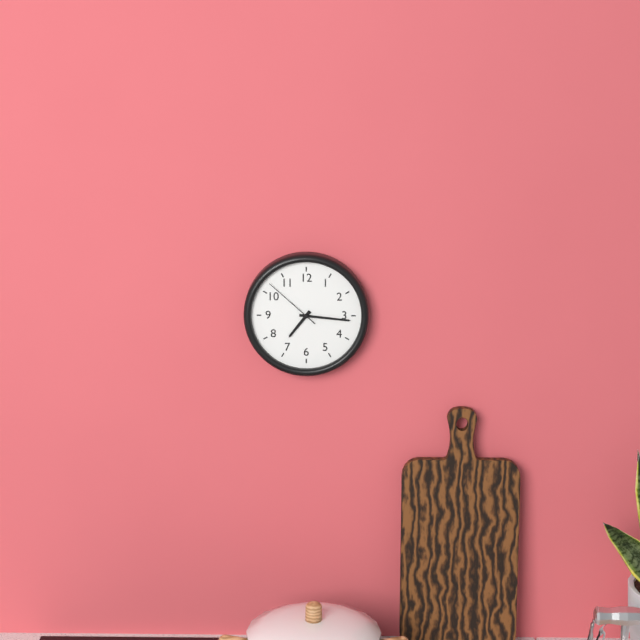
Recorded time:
{"hour": 7, "minute": 16, "second": 52}
